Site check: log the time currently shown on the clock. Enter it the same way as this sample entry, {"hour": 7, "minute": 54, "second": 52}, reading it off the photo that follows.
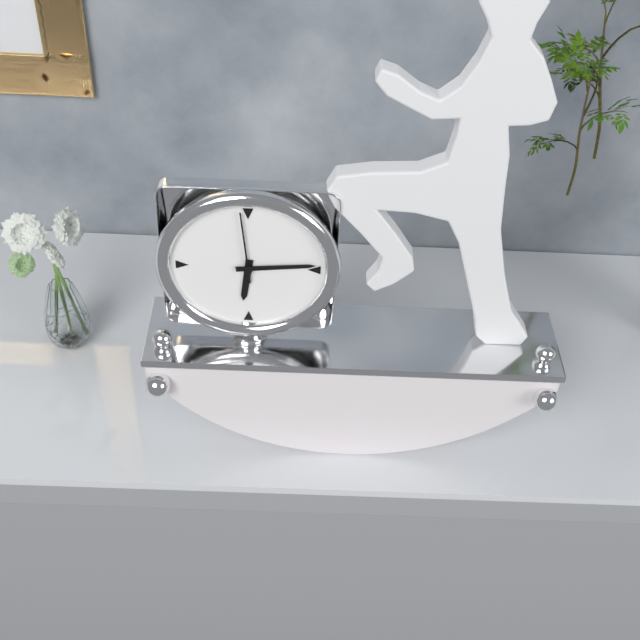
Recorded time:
{"hour": 6, "minute": 14, "second": 59}
